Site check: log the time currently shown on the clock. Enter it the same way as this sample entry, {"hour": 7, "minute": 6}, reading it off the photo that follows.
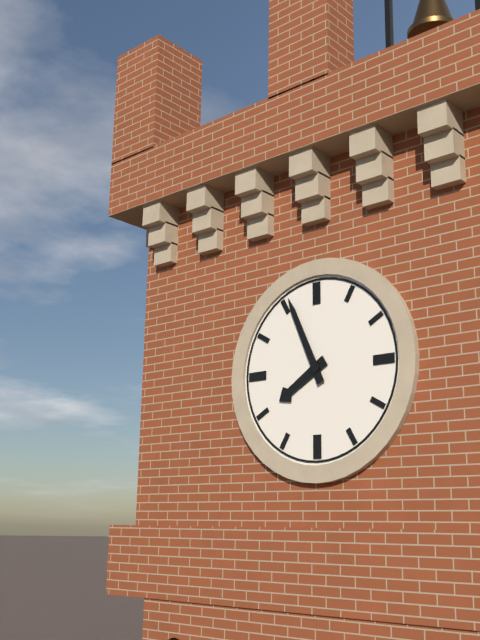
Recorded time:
{"hour": 7, "minute": 56}
